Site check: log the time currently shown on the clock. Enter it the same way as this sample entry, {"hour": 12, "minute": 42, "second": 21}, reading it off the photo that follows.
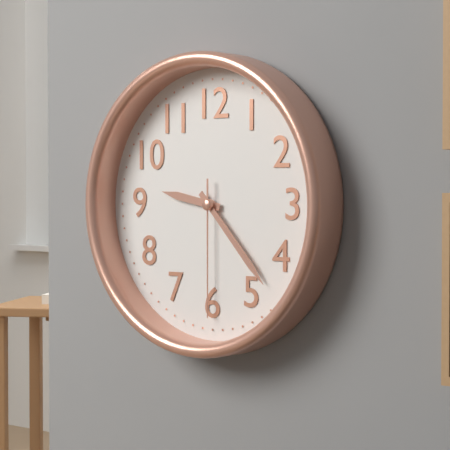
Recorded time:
{"hour": 9, "minute": 23, "second": 30}
